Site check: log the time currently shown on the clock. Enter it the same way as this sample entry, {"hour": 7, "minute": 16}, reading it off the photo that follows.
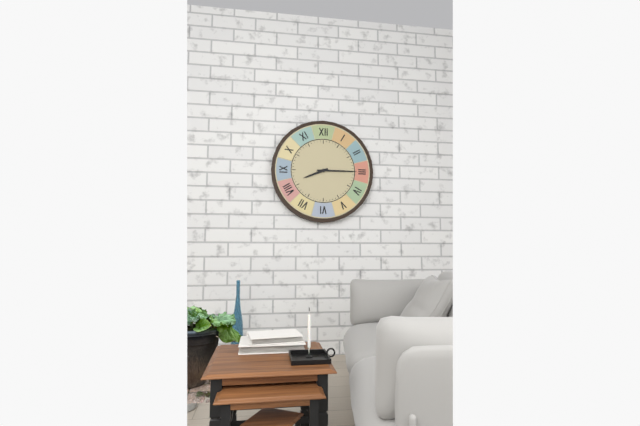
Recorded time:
{"hour": 8, "minute": 15}
